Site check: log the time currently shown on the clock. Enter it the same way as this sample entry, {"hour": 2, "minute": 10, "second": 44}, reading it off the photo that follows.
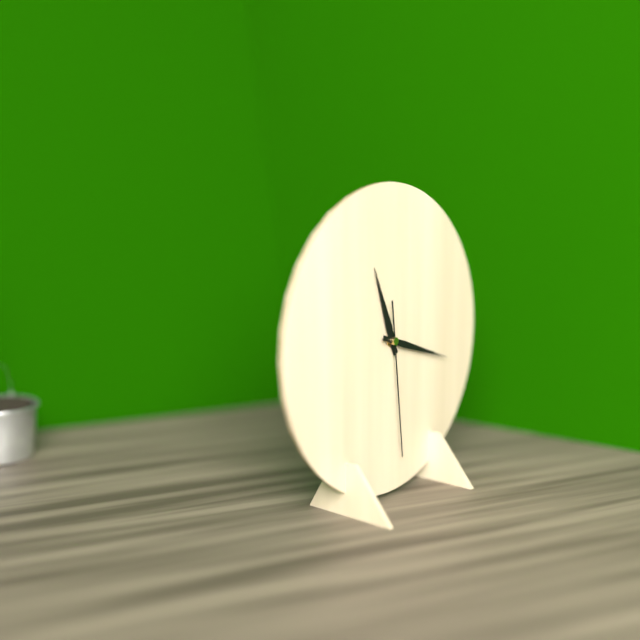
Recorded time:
{"hour": 11, "minute": 18, "second": 29}
